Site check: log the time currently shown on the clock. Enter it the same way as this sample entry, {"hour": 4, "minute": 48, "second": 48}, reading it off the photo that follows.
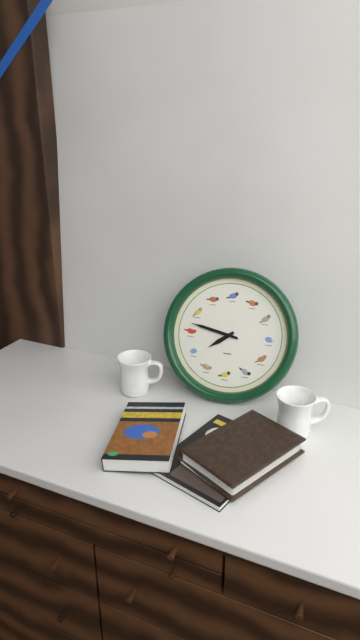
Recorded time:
{"hour": 7, "minute": 47, "second": 47}
